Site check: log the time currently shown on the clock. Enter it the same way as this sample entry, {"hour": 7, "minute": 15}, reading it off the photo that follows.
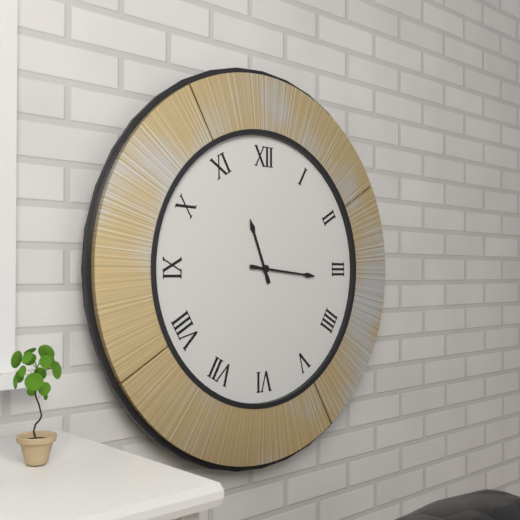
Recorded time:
{"hour": 11, "minute": 16}
